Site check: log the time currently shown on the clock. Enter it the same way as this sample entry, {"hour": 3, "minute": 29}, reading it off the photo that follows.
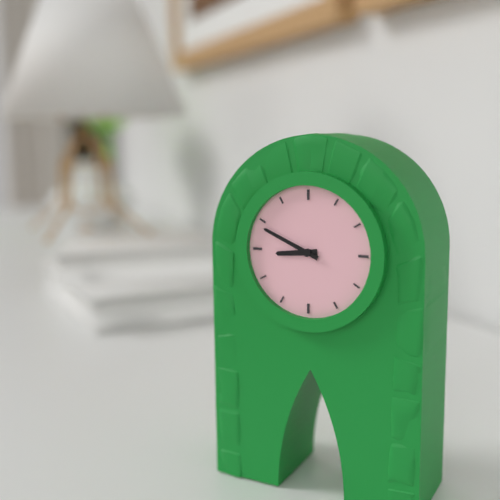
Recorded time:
{"hour": 8, "minute": 49}
